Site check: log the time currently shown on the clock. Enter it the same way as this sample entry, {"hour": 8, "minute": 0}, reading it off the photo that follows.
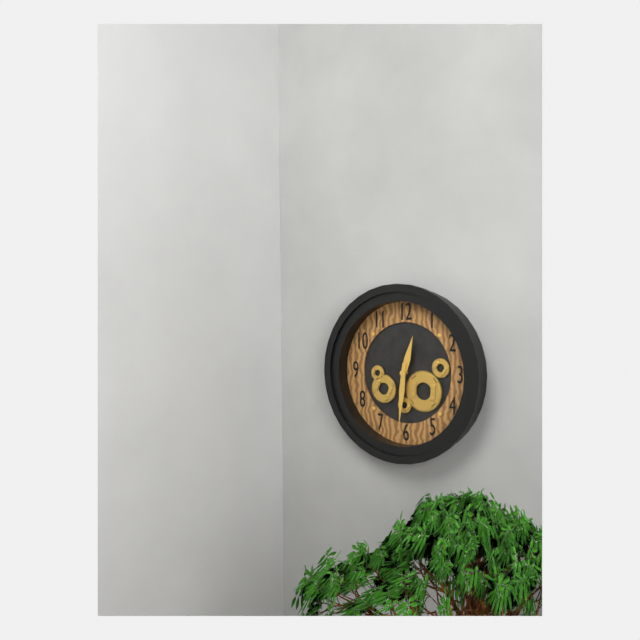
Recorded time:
{"hour": 12, "minute": 31}
